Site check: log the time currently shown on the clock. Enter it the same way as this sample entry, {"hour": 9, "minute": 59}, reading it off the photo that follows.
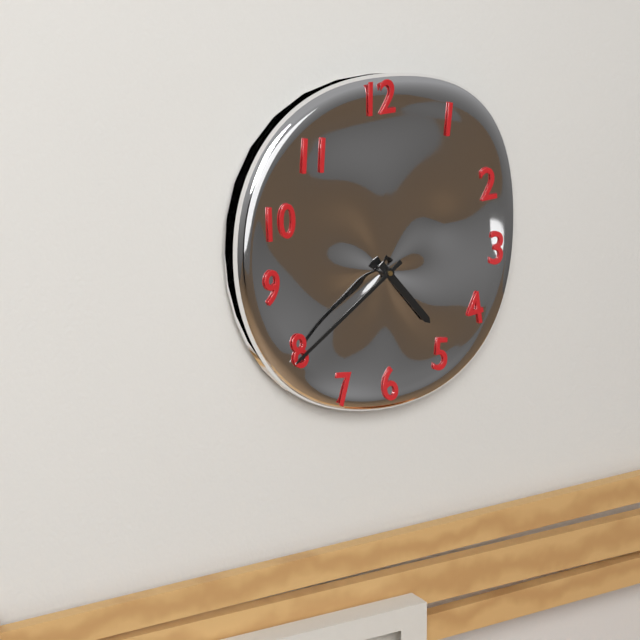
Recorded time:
{"hour": 4, "minute": 39}
